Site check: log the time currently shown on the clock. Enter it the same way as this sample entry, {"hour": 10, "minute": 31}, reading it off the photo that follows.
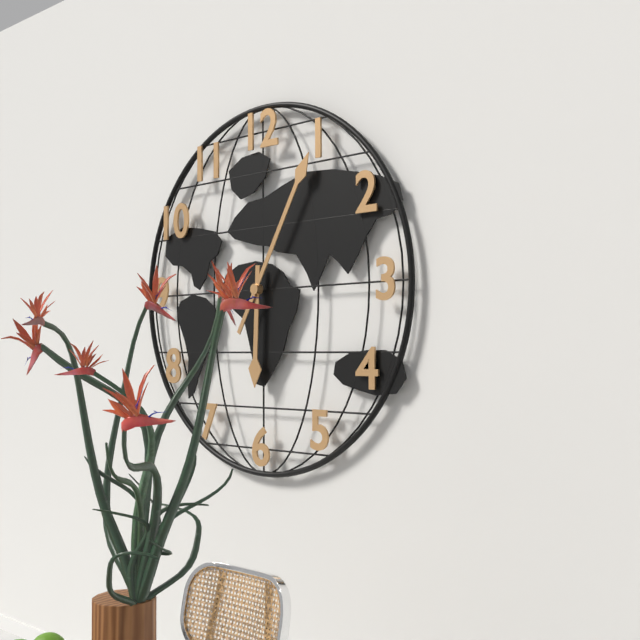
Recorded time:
{"hour": 6, "minute": 5}
